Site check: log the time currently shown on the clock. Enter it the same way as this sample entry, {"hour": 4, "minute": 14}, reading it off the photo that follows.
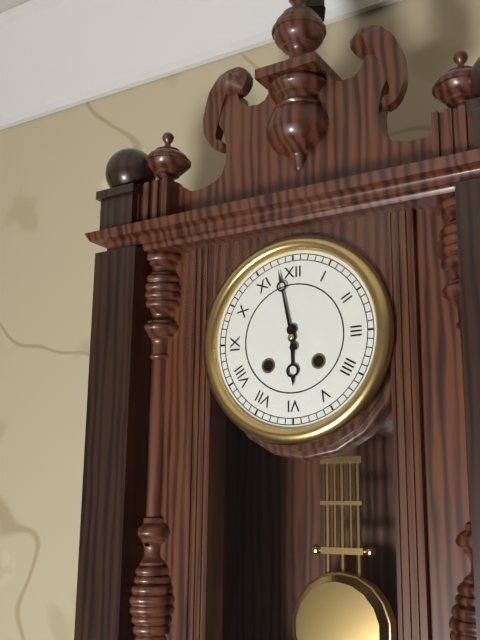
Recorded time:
{"hour": 5, "minute": 58}
